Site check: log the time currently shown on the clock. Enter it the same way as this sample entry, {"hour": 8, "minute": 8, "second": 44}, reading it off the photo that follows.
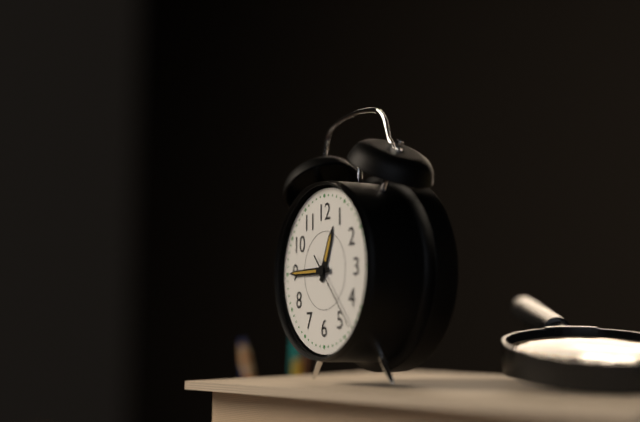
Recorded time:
{"hour": 12, "minute": 45, "second": 23}
